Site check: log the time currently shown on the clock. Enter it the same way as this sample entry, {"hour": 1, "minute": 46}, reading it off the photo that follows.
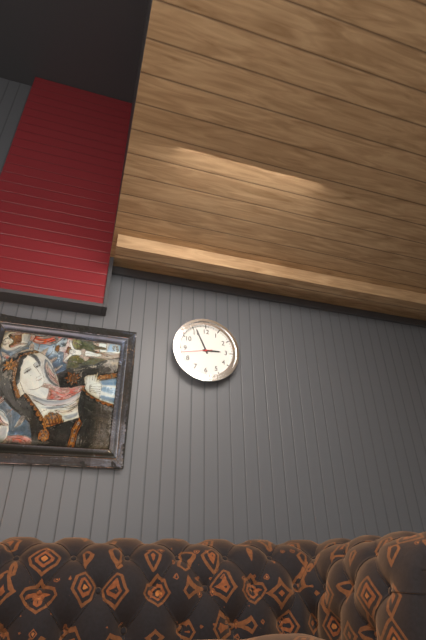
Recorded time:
{"hour": 2, "minute": 56}
